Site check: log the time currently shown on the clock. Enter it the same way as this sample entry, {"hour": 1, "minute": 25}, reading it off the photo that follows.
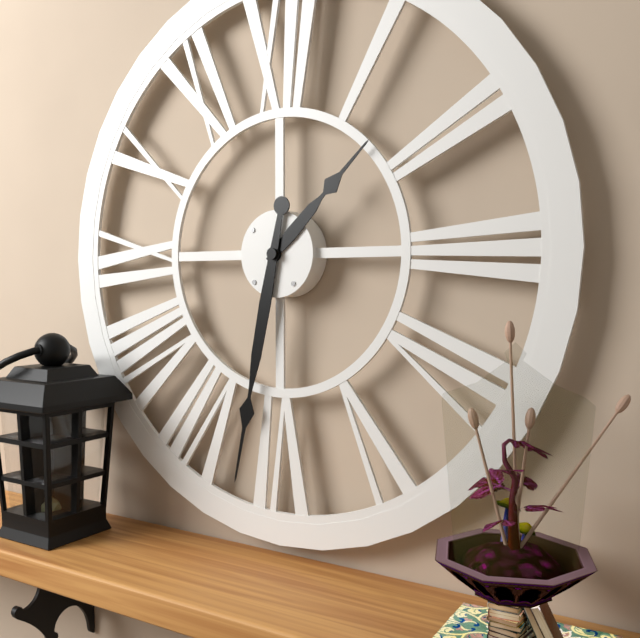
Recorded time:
{"hour": 1, "minute": 32}
